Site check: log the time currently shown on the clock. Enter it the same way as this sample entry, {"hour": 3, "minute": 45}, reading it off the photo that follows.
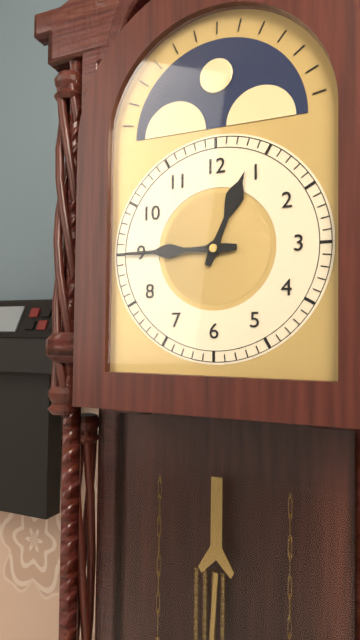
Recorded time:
{"hour": 12, "minute": 45}
